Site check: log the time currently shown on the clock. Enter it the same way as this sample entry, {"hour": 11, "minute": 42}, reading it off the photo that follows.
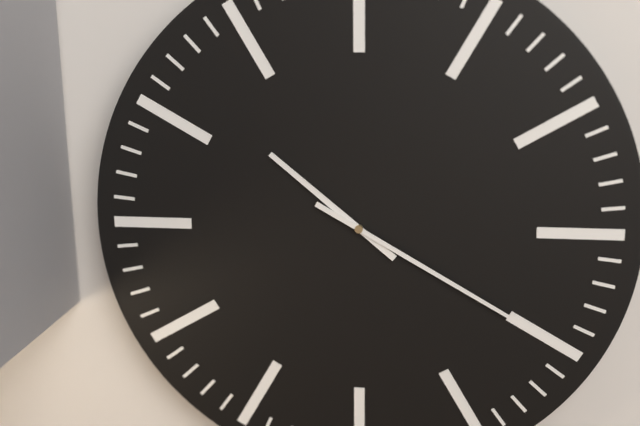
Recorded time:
{"hour": 10, "minute": 20}
